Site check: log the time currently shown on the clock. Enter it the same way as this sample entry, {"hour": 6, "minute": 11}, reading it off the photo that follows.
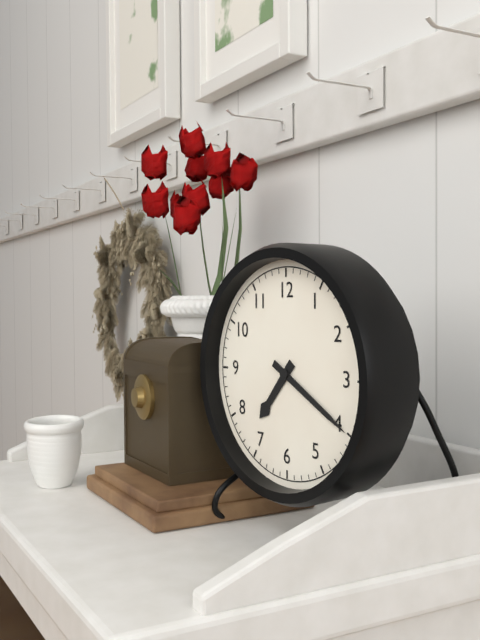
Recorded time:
{"hour": 7, "minute": 20}
